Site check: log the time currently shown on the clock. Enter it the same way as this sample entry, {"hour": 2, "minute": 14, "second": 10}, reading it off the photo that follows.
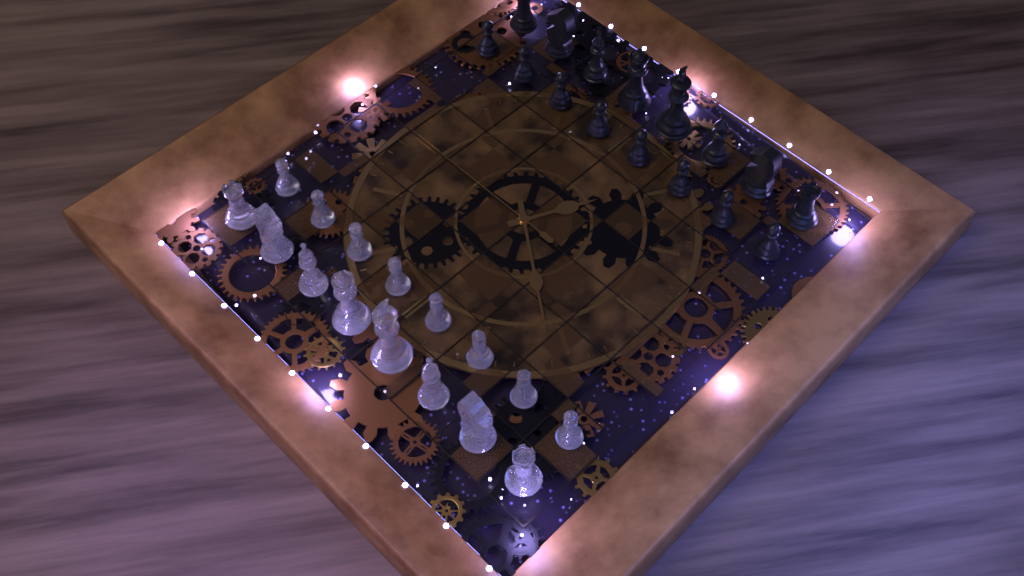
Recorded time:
{"hour": 6, "minute": 51, "second": 15}
